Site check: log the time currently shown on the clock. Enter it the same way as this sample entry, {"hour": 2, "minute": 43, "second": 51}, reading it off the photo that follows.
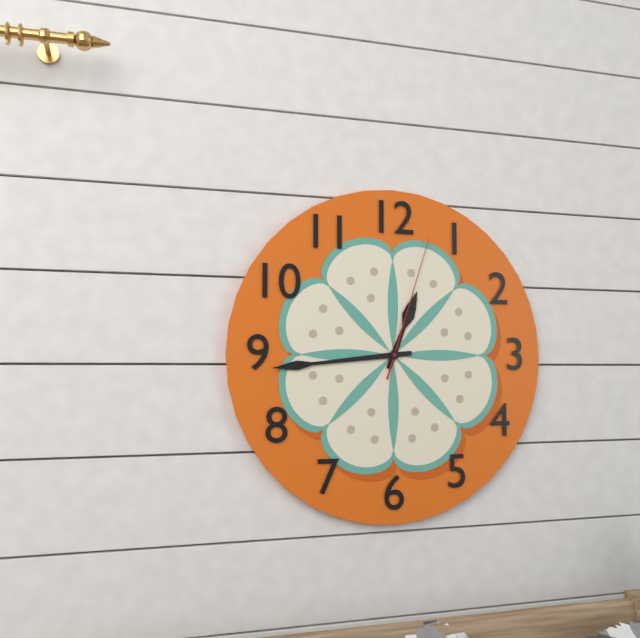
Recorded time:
{"hour": 12, "minute": 44, "second": 3}
